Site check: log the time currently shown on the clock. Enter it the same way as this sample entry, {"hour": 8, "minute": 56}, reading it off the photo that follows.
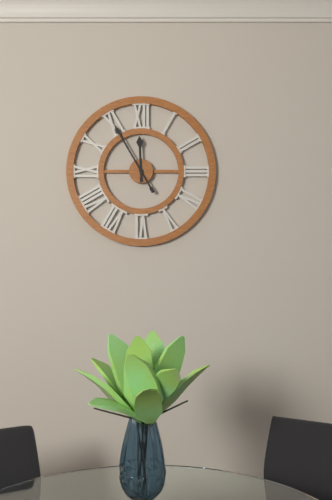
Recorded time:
{"hour": 11, "minute": 55}
